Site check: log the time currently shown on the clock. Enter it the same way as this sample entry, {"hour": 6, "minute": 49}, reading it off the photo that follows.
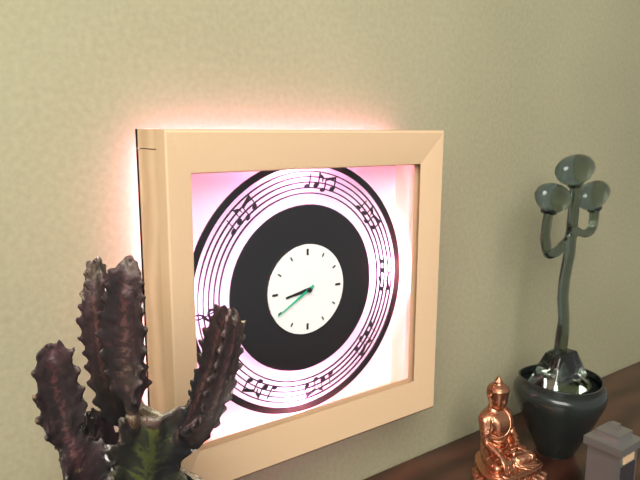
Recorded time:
{"hour": 8, "minute": 40}
